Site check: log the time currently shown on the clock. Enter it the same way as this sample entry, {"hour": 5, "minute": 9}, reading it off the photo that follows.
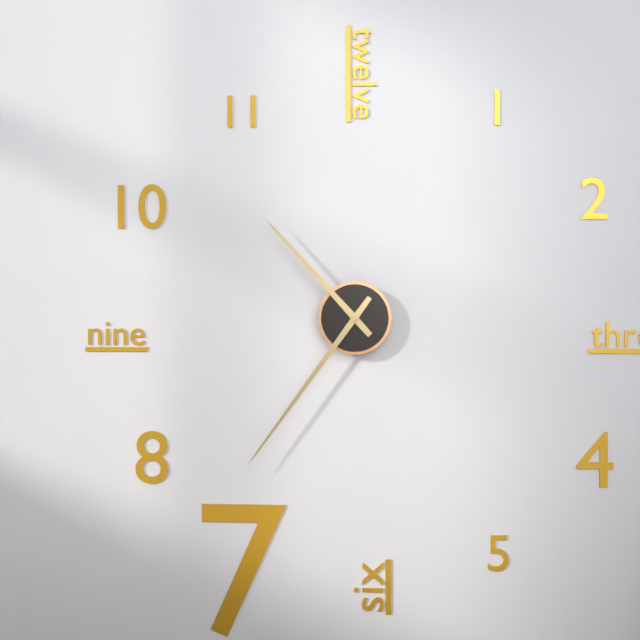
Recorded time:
{"hour": 10, "minute": 36}
